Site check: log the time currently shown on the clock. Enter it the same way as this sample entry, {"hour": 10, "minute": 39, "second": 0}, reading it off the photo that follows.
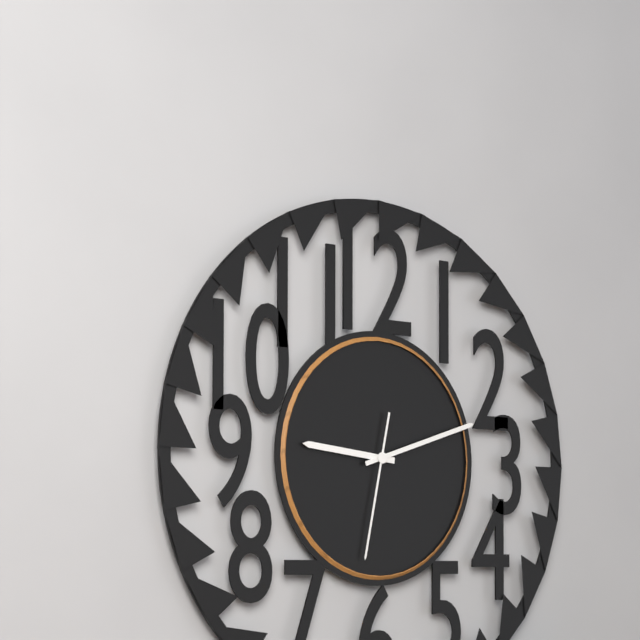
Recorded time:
{"hour": 9, "minute": 12, "second": 32}
